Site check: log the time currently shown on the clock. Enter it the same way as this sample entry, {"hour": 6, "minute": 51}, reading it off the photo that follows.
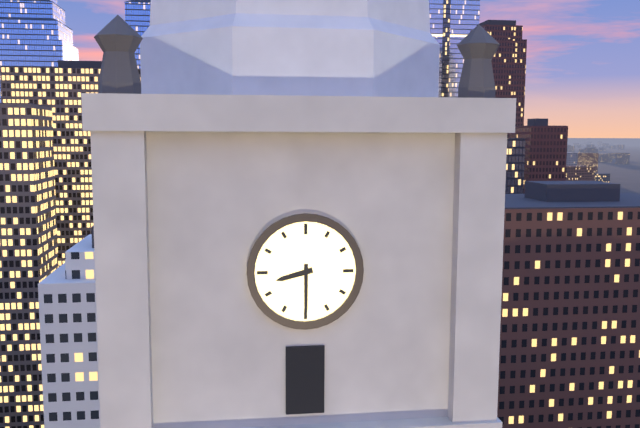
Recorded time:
{"hour": 8, "minute": 30}
